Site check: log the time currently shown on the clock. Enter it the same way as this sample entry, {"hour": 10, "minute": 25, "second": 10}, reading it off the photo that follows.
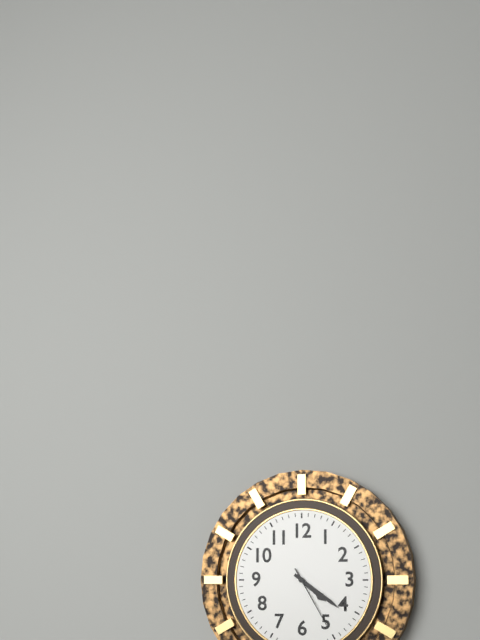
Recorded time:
{"hour": 4, "minute": 21, "second": 25}
